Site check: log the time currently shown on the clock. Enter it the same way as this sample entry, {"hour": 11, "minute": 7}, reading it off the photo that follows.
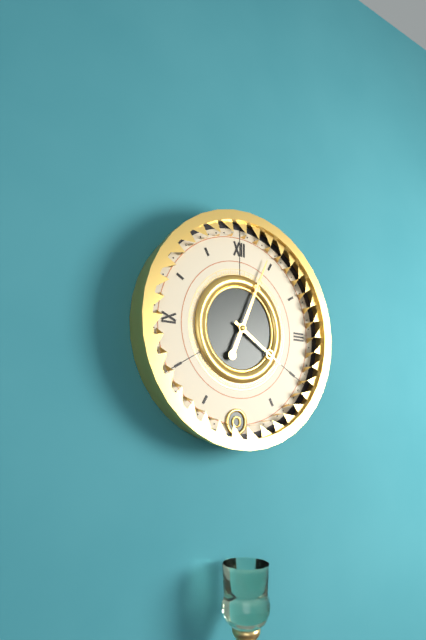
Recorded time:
{"hour": 4, "minute": 4}
